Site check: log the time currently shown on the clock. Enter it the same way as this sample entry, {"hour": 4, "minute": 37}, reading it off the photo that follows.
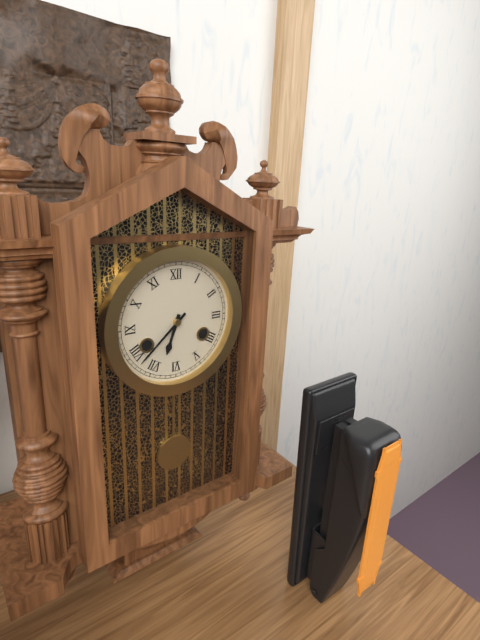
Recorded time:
{"hour": 6, "minute": 38}
